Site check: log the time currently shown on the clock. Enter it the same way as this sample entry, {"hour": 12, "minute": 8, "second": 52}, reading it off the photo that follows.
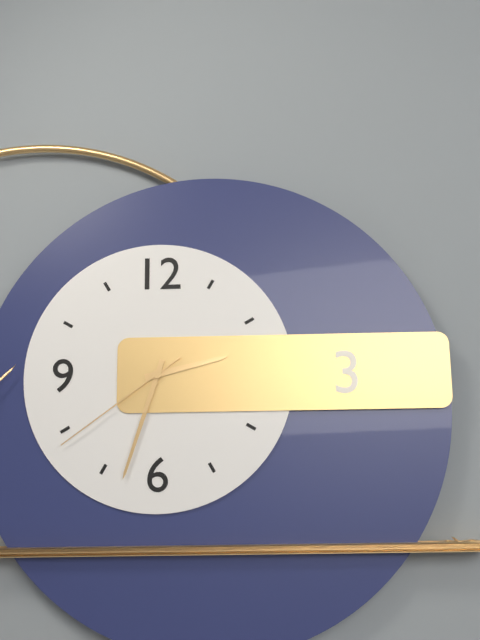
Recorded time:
{"hour": 2, "minute": 33, "second": 39}
